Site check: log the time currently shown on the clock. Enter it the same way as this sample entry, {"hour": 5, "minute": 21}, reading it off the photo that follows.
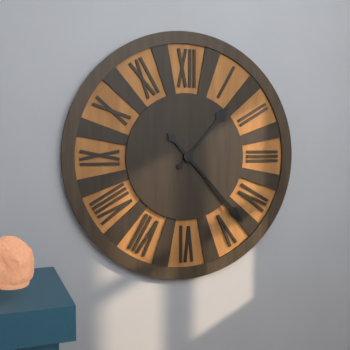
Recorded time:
{"hour": 1, "minute": 23}
